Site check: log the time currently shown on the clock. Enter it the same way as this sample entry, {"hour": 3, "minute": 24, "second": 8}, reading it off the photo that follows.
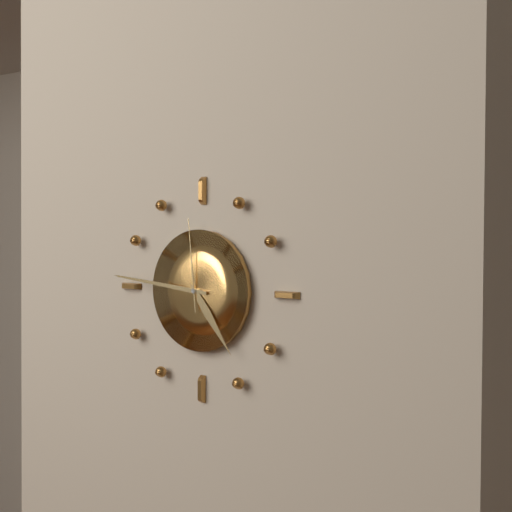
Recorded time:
{"hour": 4, "minute": 46, "second": 59}
